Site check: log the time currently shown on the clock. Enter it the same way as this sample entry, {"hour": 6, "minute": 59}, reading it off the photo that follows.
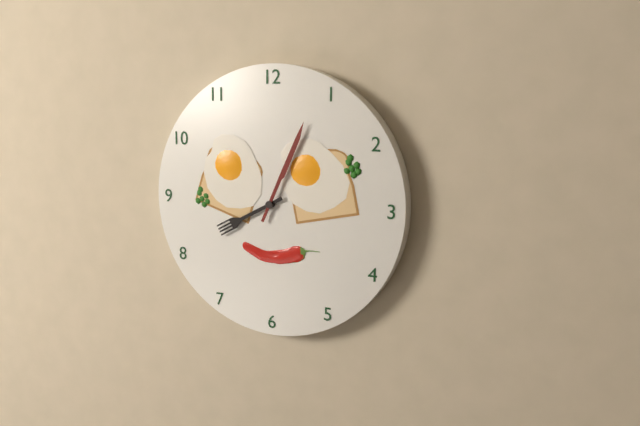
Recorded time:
{"hour": 8, "minute": 4}
